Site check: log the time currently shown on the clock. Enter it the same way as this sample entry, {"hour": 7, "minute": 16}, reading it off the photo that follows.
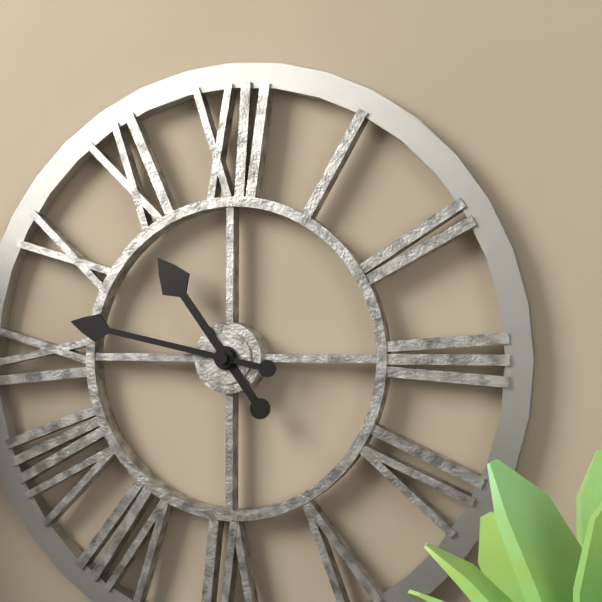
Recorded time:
{"hour": 10, "minute": 47}
